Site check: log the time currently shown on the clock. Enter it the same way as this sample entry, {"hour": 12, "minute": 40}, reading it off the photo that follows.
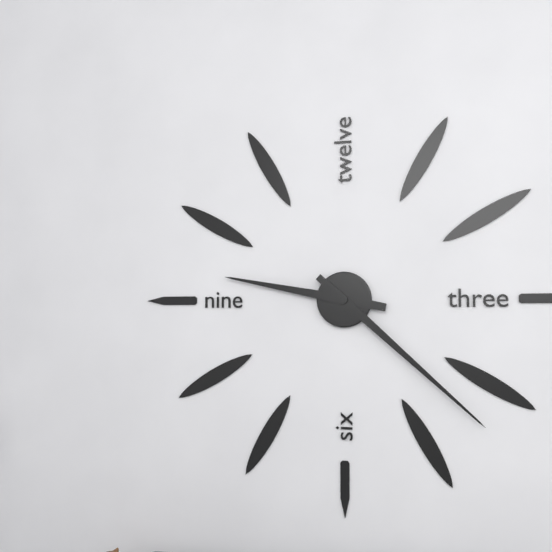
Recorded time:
{"hour": 9, "minute": 22}
